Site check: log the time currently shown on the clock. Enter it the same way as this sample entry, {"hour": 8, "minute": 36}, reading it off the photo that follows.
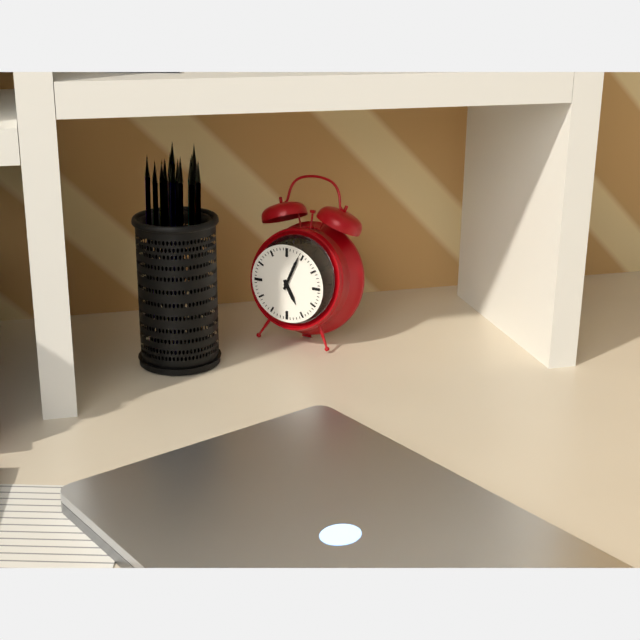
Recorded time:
{"hour": 5, "minute": 4}
